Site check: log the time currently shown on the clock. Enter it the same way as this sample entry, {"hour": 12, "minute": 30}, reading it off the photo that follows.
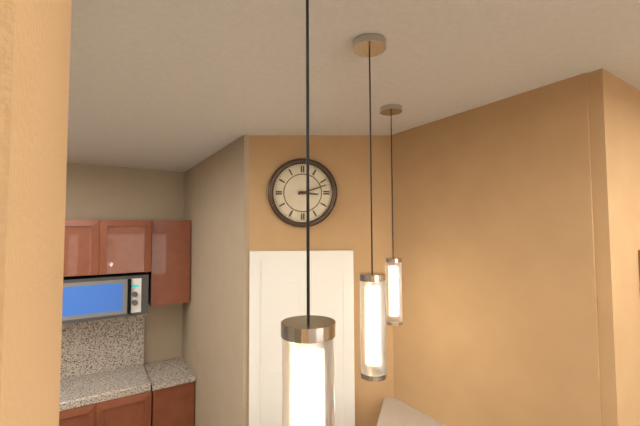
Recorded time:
{"hour": 3, "minute": 12}
